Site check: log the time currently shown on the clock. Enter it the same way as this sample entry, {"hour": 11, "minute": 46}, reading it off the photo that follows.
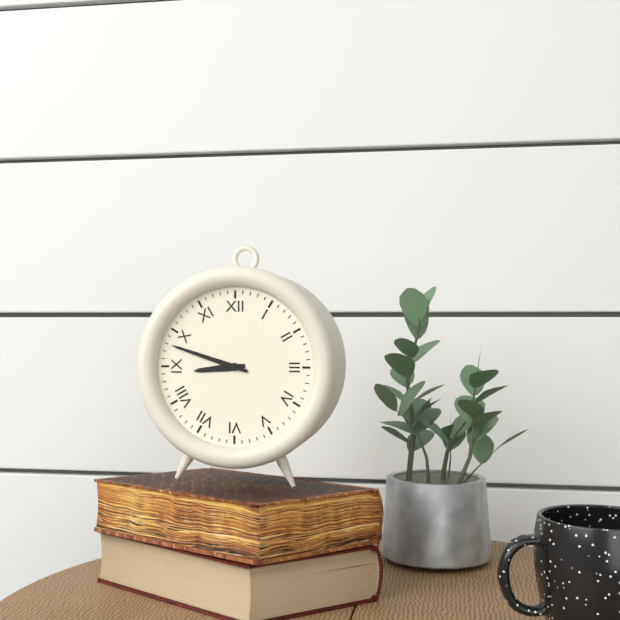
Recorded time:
{"hour": 8, "minute": 48}
